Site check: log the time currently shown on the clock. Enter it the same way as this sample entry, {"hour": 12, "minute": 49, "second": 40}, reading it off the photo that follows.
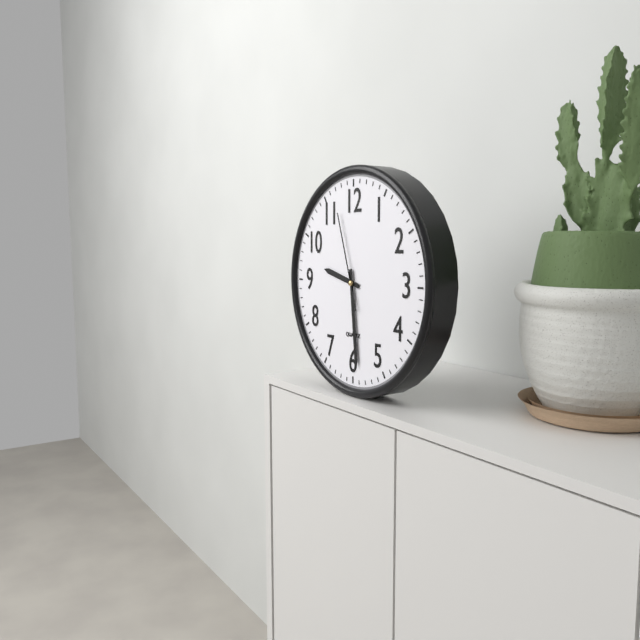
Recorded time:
{"hour": 9, "minute": 29, "second": 57}
